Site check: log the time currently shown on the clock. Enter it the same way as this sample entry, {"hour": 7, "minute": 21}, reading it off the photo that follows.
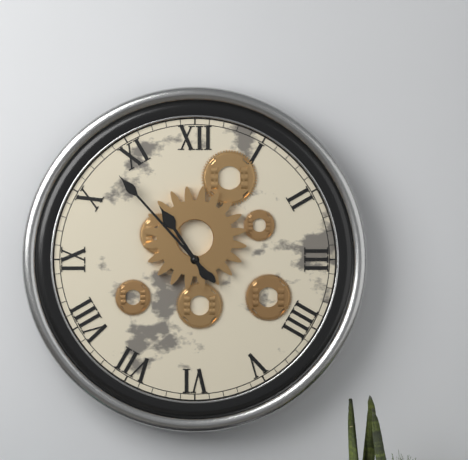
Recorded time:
{"hour": 10, "minute": 53}
